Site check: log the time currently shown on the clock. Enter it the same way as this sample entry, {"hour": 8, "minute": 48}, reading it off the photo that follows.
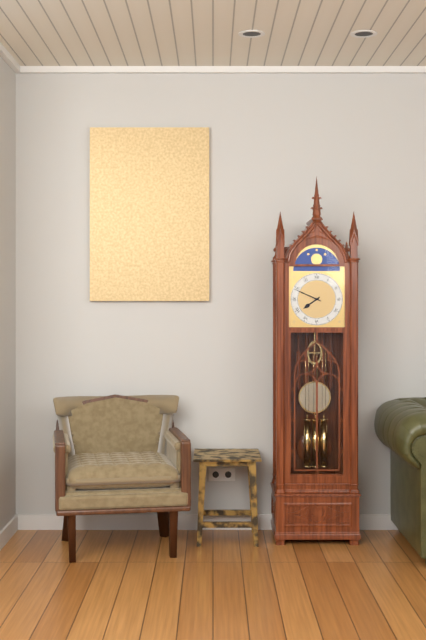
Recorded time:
{"hour": 7, "minute": 49}
